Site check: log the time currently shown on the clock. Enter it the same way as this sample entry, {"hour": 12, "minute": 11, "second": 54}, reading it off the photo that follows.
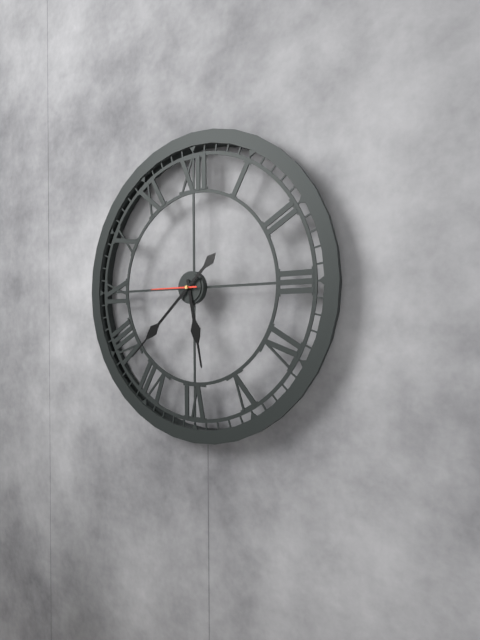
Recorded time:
{"hour": 5, "minute": 38, "second": 45}
